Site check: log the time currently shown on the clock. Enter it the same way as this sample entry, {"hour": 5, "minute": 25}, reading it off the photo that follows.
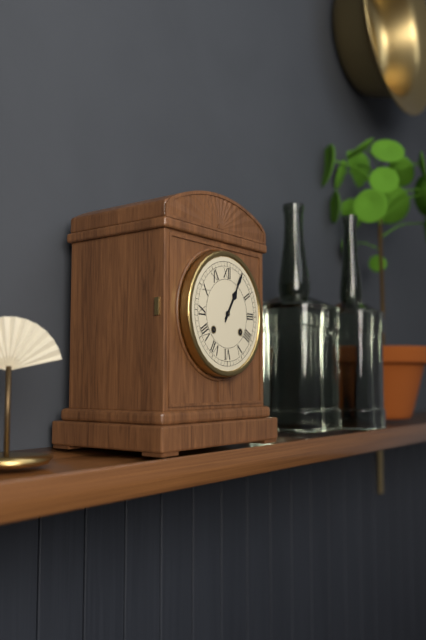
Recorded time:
{"hour": 1, "minute": 5}
